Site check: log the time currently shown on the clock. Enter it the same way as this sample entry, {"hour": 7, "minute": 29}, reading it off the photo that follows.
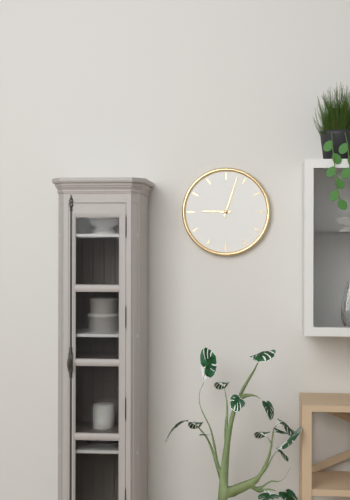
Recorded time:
{"hour": 9, "minute": 3}
